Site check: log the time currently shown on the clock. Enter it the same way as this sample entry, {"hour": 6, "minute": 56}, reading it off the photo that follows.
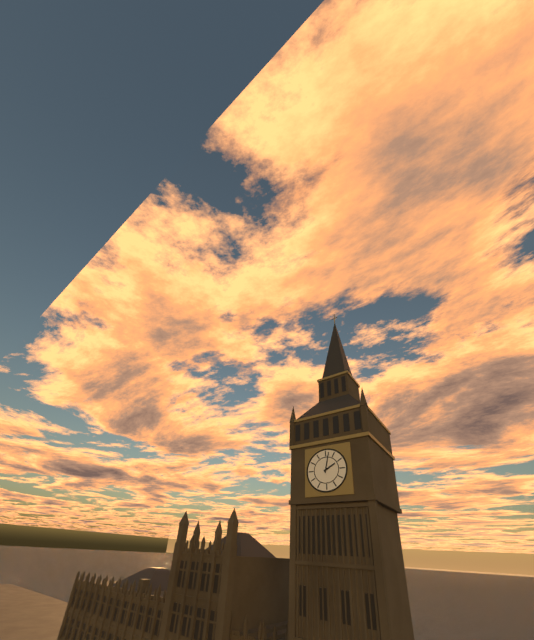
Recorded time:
{"hour": 2, "minute": 2}
